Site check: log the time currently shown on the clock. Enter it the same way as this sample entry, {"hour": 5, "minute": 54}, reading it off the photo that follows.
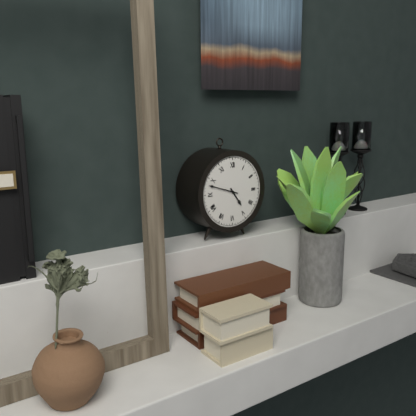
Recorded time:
{"hour": 4, "minute": 48}
